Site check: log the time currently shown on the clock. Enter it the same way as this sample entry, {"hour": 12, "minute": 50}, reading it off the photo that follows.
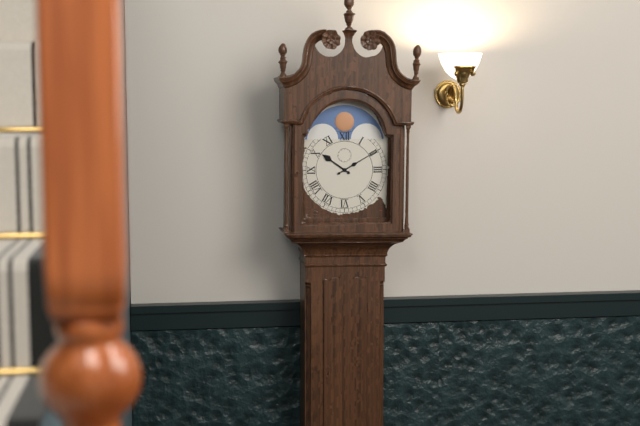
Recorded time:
{"hour": 10, "minute": 10}
